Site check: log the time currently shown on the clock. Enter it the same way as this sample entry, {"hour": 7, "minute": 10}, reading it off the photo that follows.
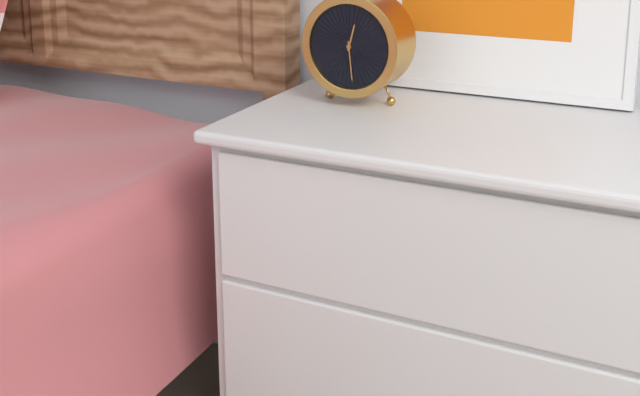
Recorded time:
{"hour": 12, "minute": 29}
